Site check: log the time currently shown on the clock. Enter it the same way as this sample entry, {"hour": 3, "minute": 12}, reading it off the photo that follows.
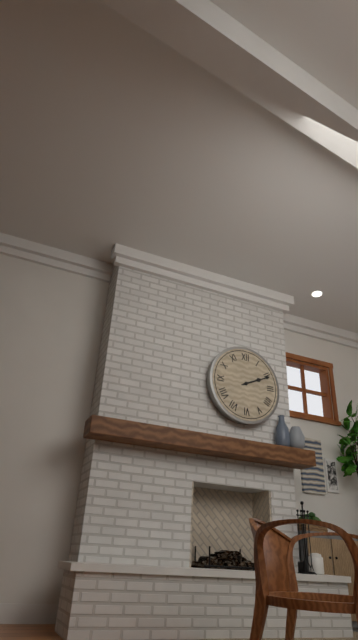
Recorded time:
{"hour": 2, "minute": 11}
